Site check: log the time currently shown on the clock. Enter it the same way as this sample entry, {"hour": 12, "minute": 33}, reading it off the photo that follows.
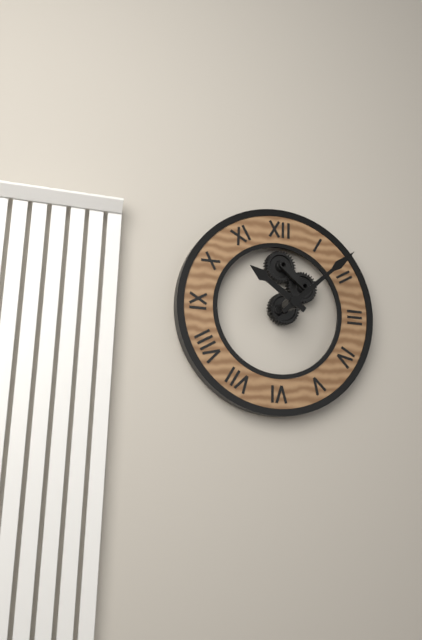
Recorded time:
{"hour": 10, "minute": 8}
